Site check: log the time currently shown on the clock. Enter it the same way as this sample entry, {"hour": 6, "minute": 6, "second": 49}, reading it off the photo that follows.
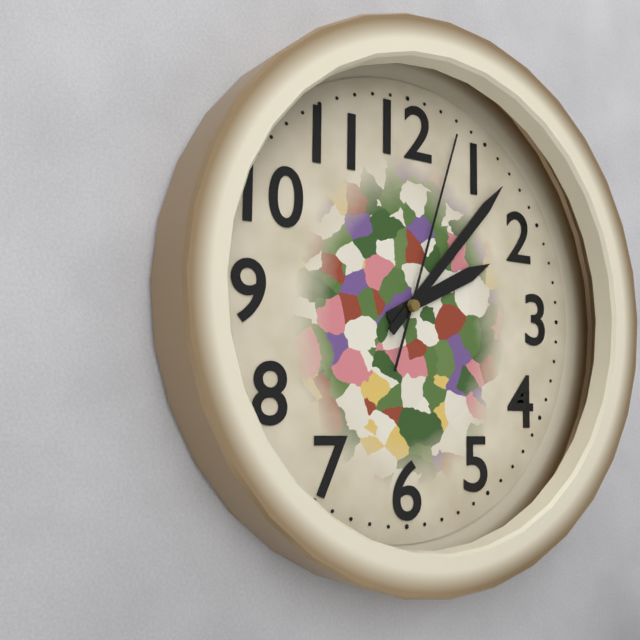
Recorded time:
{"hour": 2, "minute": 7, "second": 3}
